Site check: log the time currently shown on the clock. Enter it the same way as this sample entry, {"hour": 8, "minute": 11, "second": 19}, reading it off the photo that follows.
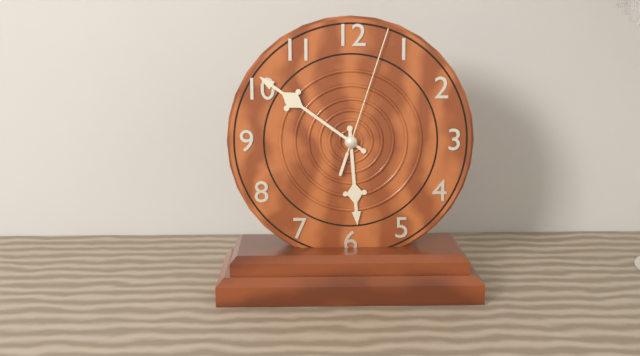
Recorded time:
{"hour": 5, "minute": 51, "second": 3}
